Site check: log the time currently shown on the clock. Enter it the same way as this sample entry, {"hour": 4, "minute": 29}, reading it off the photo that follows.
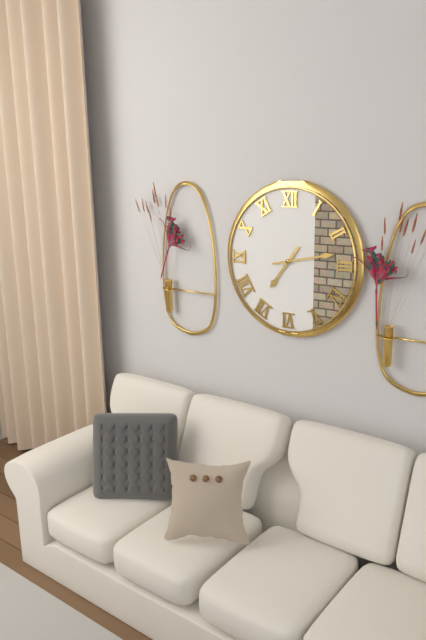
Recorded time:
{"hour": 7, "minute": 13}
